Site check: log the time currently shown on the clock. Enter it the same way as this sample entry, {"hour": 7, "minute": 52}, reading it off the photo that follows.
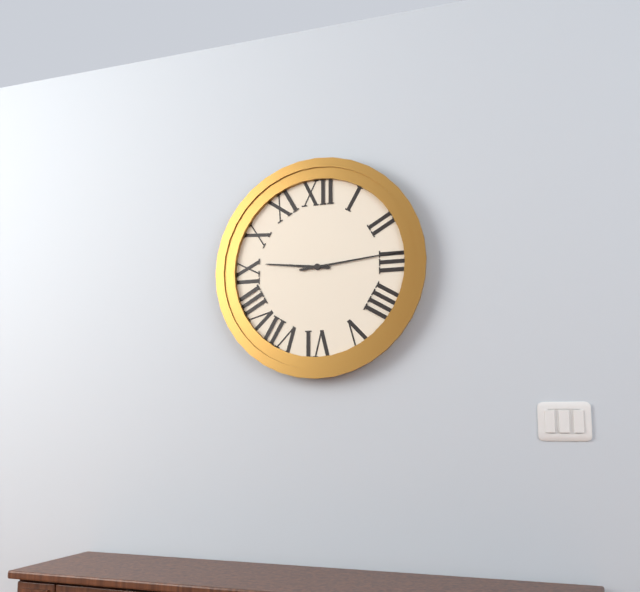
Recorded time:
{"hour": 9, "minute": 14}
